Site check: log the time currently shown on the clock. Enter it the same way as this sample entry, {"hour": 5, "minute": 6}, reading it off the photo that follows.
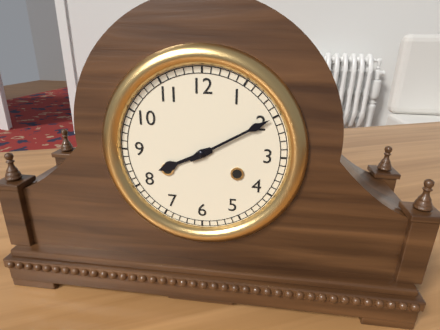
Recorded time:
{"hour": 8, "minute": 10}
